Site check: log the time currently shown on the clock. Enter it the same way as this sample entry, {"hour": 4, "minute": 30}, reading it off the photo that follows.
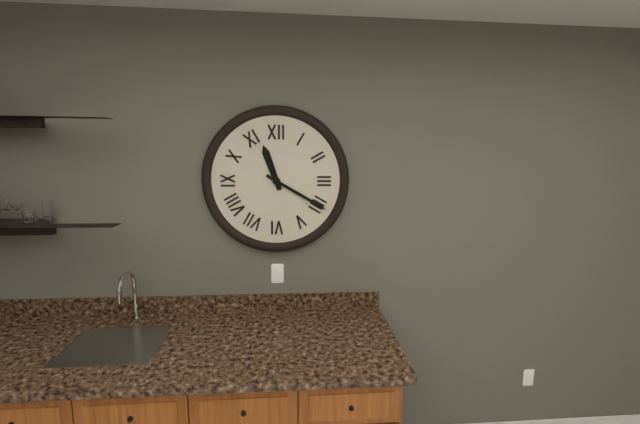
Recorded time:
{"hour": 11, "minute": 20}
